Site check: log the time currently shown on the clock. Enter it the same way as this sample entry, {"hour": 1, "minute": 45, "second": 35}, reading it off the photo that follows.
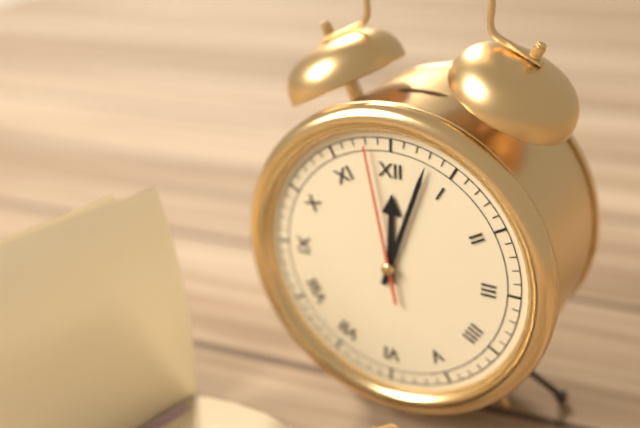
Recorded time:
{"hour": 12, "minute": 3, "second": 58}
